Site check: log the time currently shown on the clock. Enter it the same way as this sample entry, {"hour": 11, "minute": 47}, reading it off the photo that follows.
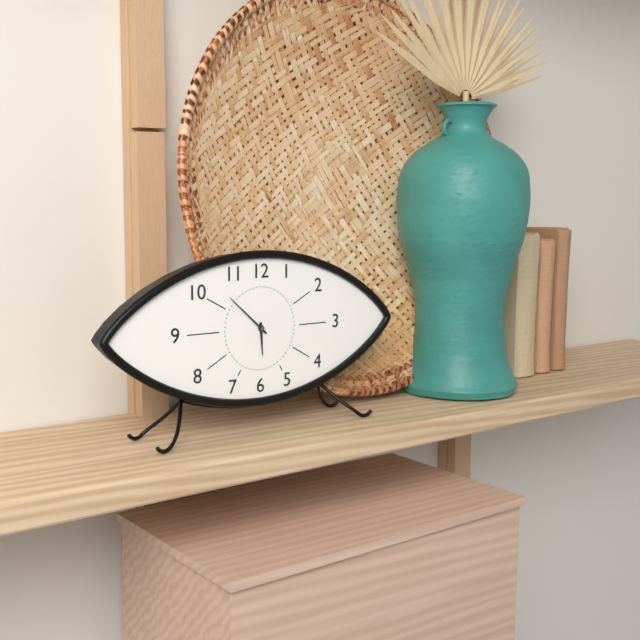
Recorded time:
{"hour": 5, "minute": 52}
